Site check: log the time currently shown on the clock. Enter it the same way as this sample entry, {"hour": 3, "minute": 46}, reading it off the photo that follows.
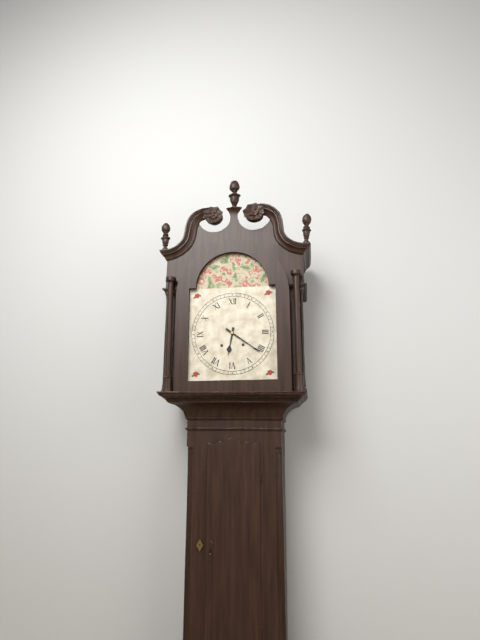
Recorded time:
{"hour": 6, "minute": 21}
